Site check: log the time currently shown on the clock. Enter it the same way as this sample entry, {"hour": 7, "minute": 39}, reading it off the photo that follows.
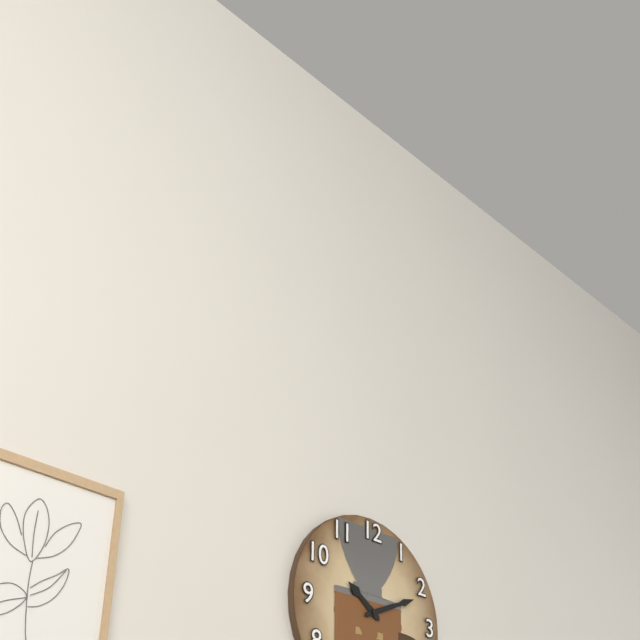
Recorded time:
{"hour": 10, "minute": 11}
